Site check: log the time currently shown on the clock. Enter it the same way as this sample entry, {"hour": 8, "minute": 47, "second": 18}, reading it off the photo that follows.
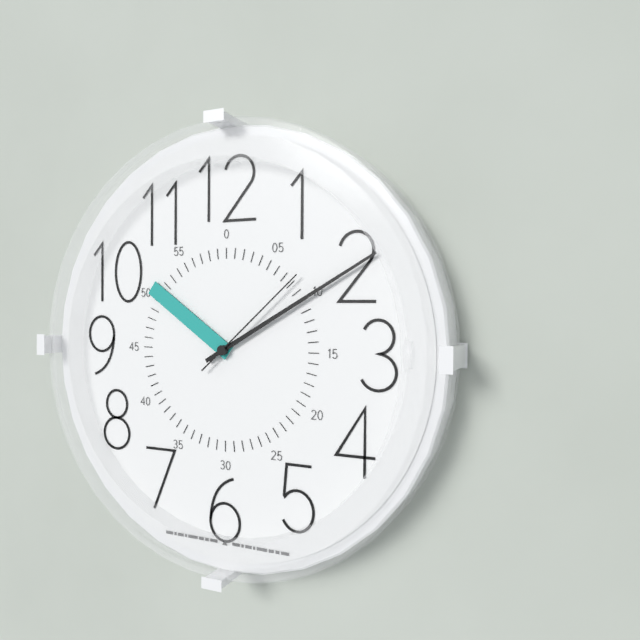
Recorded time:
{"hour": 10, "minute": 10, "second": 8}
